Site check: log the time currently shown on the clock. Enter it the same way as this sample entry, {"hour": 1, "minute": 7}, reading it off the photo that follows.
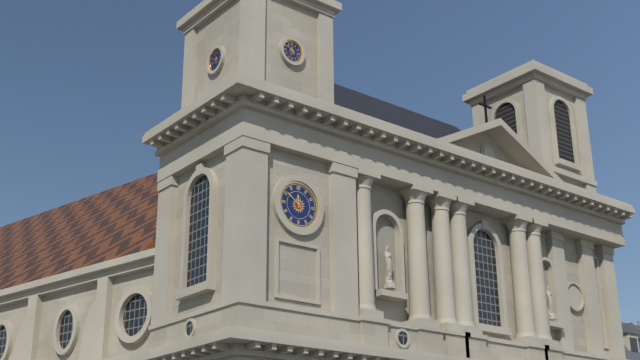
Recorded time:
{"hour": 11, "minute": 51}
